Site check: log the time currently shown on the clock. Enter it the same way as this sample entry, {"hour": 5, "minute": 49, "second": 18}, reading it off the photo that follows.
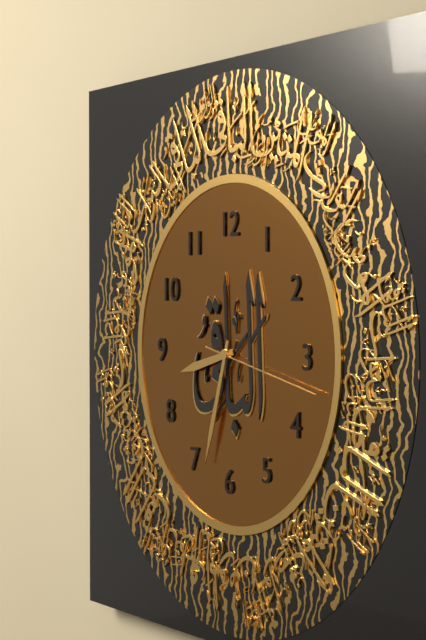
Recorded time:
{"hour": 8, "minute": 33, "second": 17}
